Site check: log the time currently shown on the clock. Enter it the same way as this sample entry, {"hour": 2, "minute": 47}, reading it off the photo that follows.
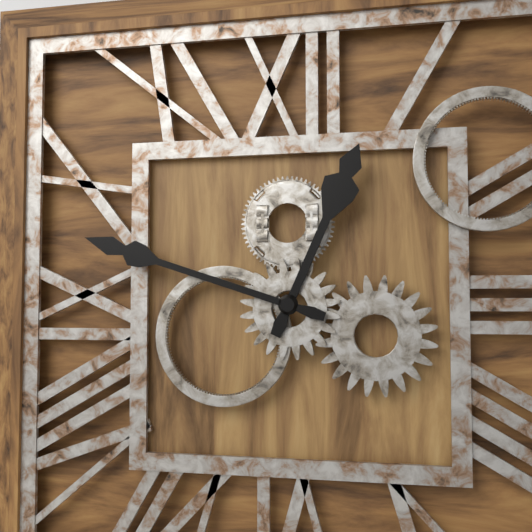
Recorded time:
{"hour": 12, "minute": 48}
